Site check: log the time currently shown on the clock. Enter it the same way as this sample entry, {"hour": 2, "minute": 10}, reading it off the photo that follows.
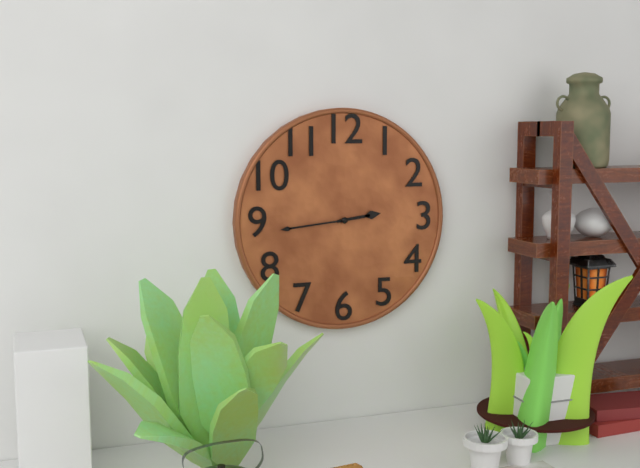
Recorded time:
{"hour": 2, "minute": 44}
